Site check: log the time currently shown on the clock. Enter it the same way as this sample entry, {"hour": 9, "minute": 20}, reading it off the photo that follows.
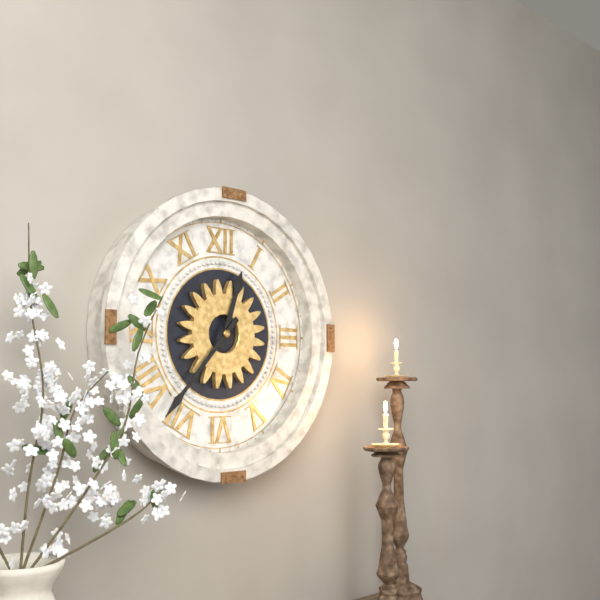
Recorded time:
{"hour": 12, "minute": 37}
